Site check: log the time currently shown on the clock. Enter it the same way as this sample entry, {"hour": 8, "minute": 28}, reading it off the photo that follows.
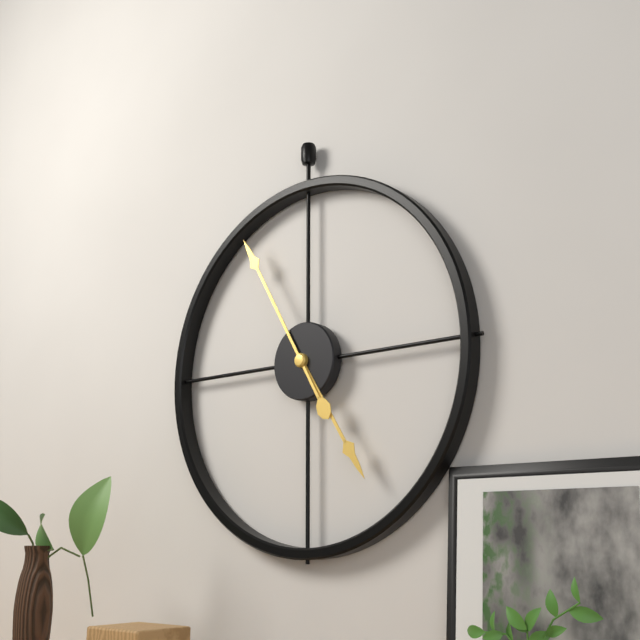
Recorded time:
{"hour": 4, "minute": 55}
